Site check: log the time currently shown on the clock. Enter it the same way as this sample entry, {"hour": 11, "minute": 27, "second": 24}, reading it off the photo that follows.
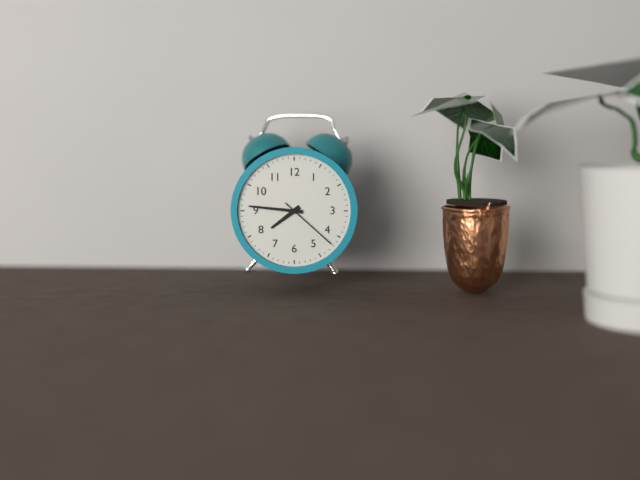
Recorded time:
{"hour": 7, "minute": 46, "second": 22}
